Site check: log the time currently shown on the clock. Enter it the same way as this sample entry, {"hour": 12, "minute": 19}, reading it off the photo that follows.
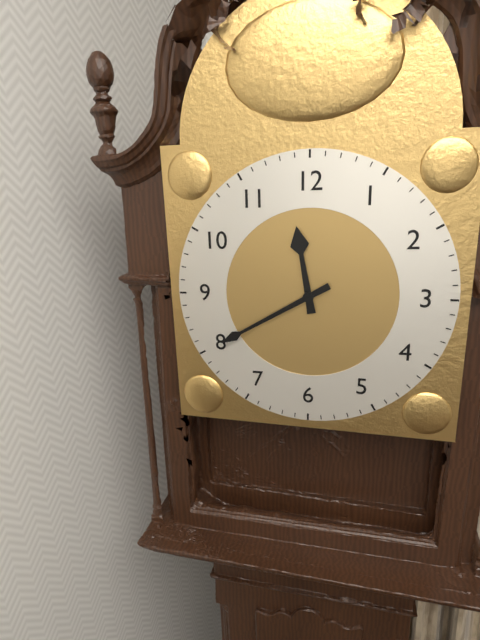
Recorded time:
{"hour": 11, "minute": 40}
